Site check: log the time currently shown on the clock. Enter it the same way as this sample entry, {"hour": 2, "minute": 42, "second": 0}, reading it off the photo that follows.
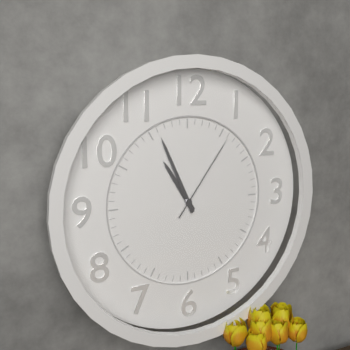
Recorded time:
{"hour": 10, "minute": 56, "second": 6}
